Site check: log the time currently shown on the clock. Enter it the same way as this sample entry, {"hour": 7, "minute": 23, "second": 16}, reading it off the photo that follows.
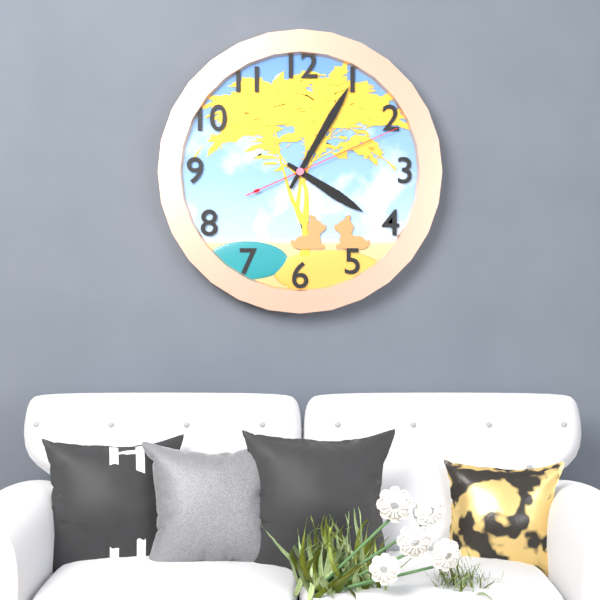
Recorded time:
{"hour": 4, "minute": 5, "second": 11}
